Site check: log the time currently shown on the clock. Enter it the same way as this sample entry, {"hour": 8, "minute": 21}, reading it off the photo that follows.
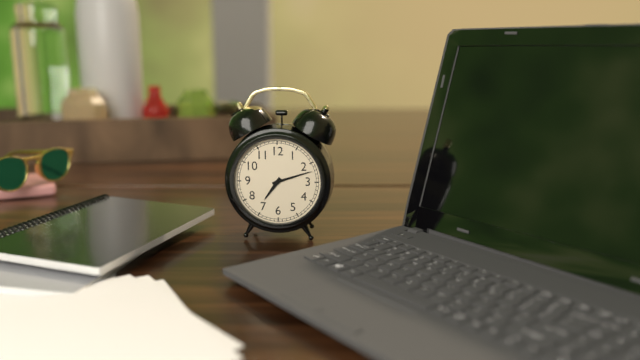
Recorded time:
{"hour": 7, "minute": 12}
